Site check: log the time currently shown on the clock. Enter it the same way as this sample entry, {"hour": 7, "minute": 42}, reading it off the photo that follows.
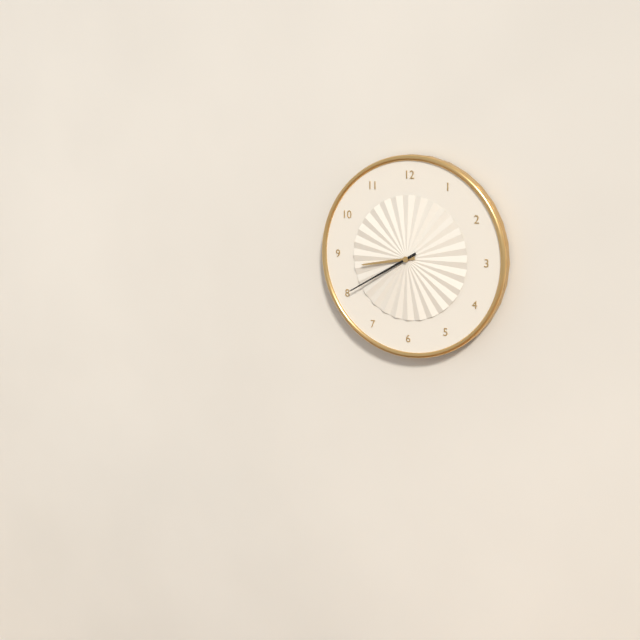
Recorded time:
{"hour": 8, "minute": 40}
